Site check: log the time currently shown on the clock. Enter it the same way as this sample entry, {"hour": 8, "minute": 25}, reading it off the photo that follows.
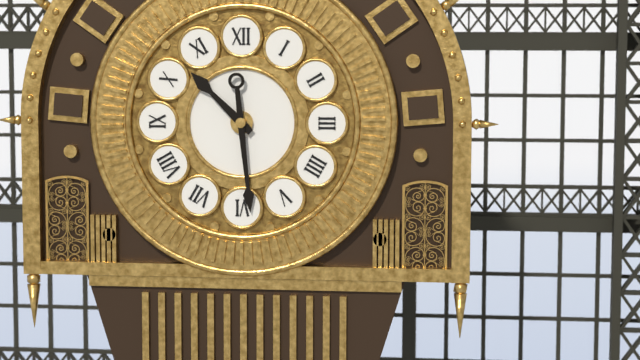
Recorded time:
{"hour": 10, "minute": 29}
